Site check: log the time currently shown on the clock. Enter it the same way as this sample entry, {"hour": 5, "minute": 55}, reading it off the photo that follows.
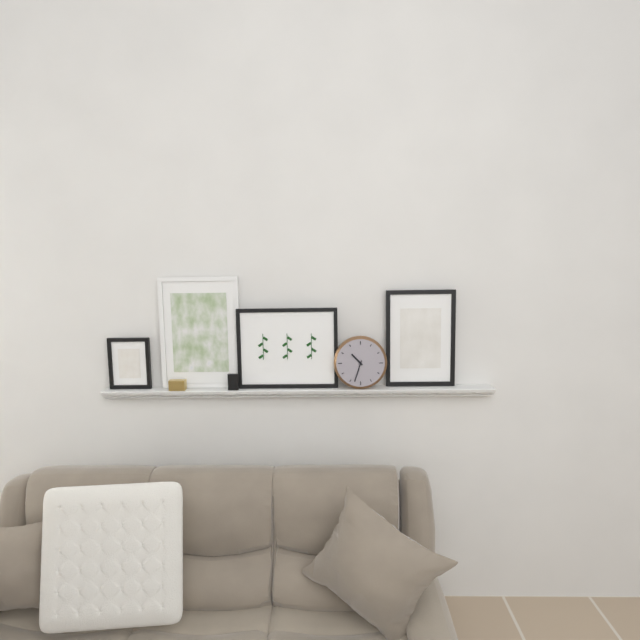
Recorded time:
{"hour": 10, "minute": 33}
